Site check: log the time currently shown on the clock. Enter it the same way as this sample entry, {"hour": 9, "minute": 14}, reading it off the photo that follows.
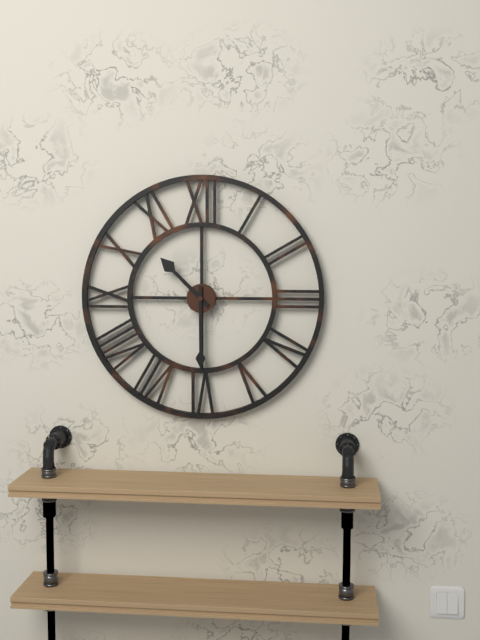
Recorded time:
{"hour": 10, "minute": 30}
